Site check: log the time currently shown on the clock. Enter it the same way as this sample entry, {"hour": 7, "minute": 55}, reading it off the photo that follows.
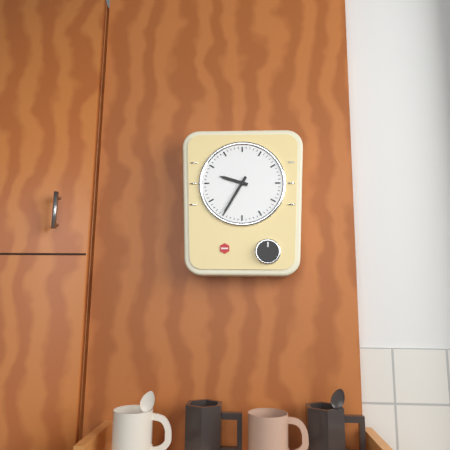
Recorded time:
{"hour": 9, "minute": 35}
